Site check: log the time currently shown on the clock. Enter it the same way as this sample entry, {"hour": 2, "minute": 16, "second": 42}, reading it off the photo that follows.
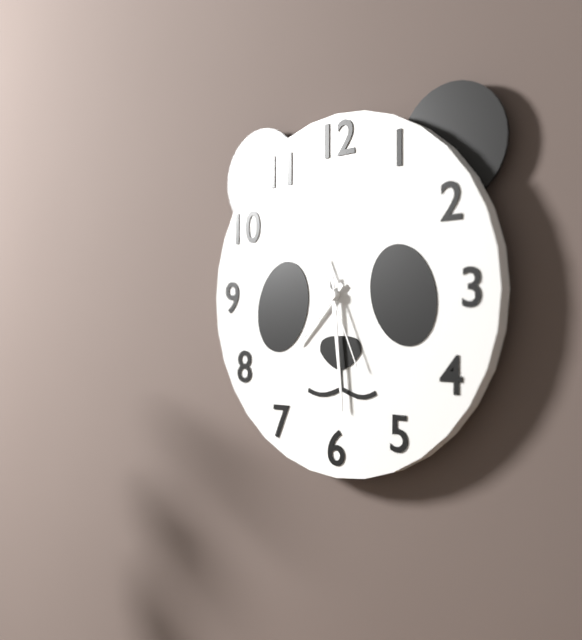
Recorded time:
{"hour": 7, "minute": 29, "second": 26}
